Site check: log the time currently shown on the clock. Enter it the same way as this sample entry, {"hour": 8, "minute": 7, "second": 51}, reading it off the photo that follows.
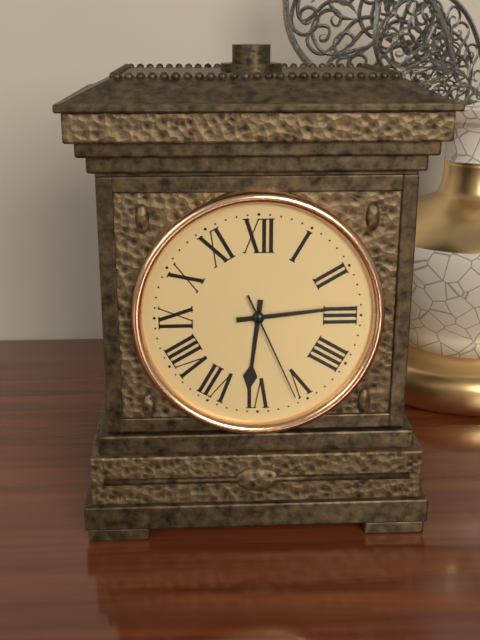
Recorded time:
{"hour": 6, "minute": 14, "second": 26}
